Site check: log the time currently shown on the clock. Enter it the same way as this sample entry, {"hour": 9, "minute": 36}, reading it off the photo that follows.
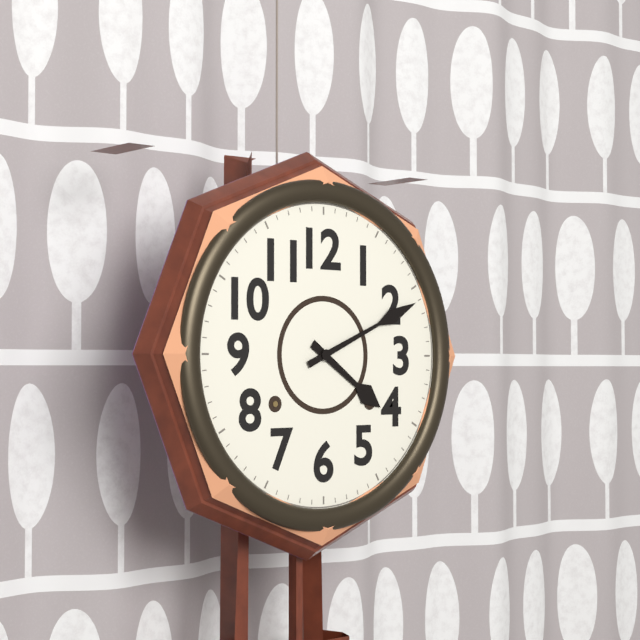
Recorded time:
{"hour": 4, "minute": 11}
